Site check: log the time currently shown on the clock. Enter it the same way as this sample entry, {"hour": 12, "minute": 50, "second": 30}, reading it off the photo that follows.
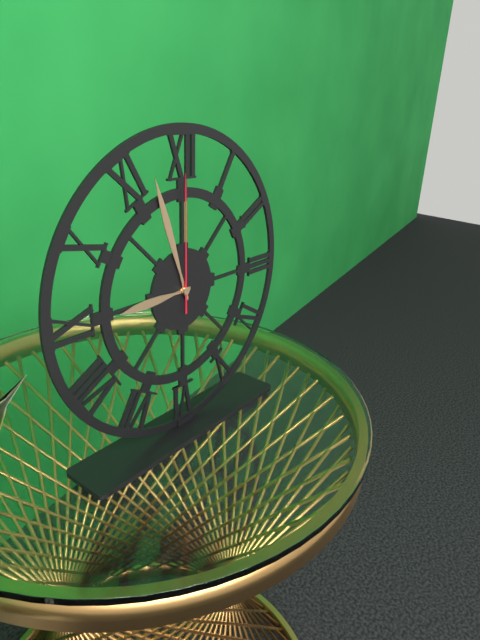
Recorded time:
{"hour": 8, "minute": 57, "second": 0}
